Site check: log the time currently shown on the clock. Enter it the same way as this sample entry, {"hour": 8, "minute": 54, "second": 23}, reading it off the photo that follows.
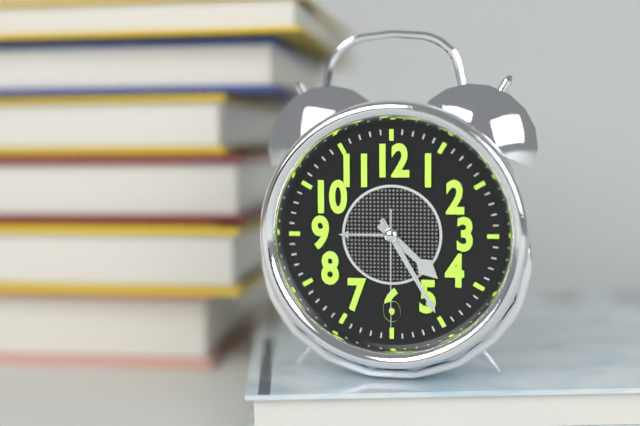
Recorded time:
{"hour": 4, "minute": 25, "second": 30}
